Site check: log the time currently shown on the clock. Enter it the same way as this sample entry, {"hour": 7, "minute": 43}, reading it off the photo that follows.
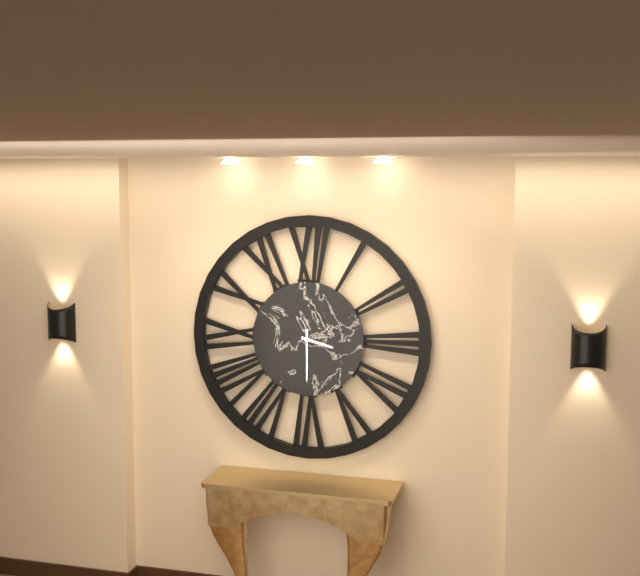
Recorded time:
{"hour": 3, "minute": 30}
